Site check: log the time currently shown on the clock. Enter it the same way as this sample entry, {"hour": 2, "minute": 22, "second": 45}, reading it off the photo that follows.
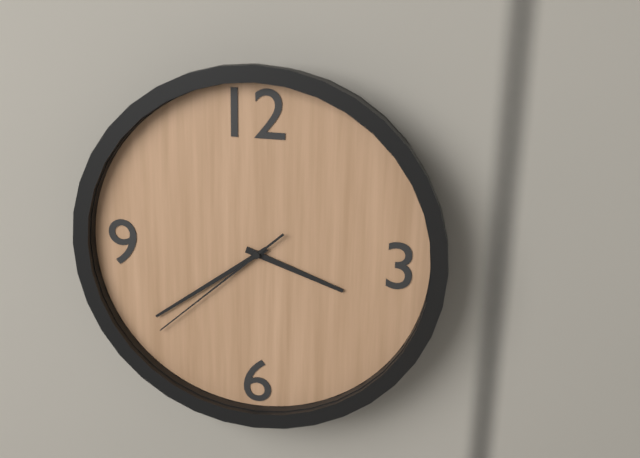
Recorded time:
{"hour": 3, "minute": 39, "second": 38}
